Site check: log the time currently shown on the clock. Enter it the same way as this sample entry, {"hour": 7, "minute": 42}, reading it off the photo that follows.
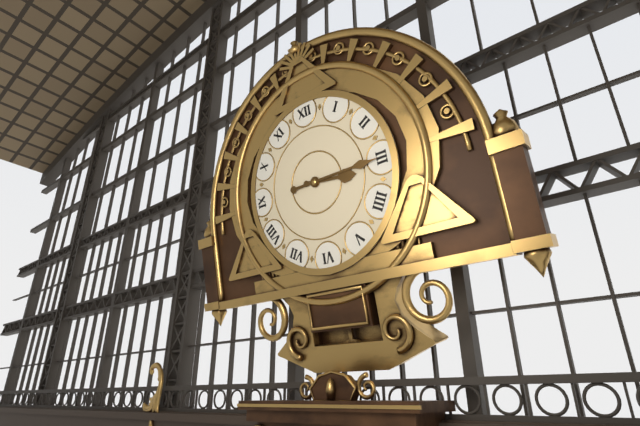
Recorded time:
{"hour": 3, "minute": 15}
